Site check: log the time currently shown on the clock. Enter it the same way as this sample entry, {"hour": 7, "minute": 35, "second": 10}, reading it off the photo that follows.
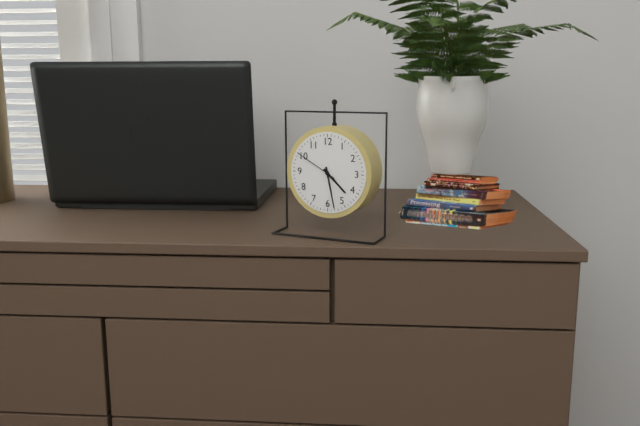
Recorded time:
{"hour": 4, "minute": 28, "second": 50}
